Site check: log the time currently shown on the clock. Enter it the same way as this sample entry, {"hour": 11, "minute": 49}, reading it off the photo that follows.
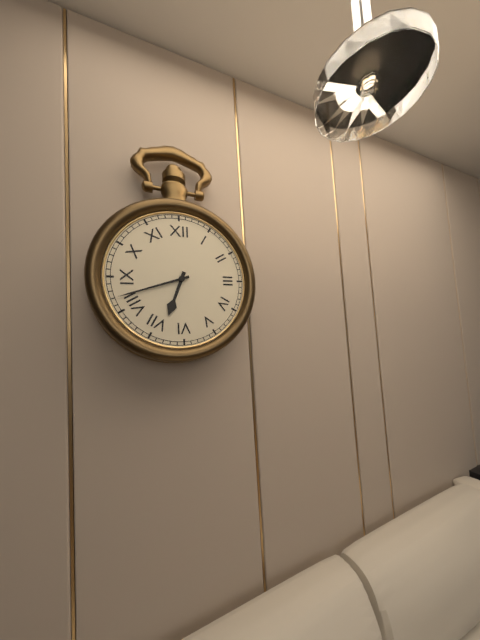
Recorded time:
{"hour": 6, "minute": 42}
